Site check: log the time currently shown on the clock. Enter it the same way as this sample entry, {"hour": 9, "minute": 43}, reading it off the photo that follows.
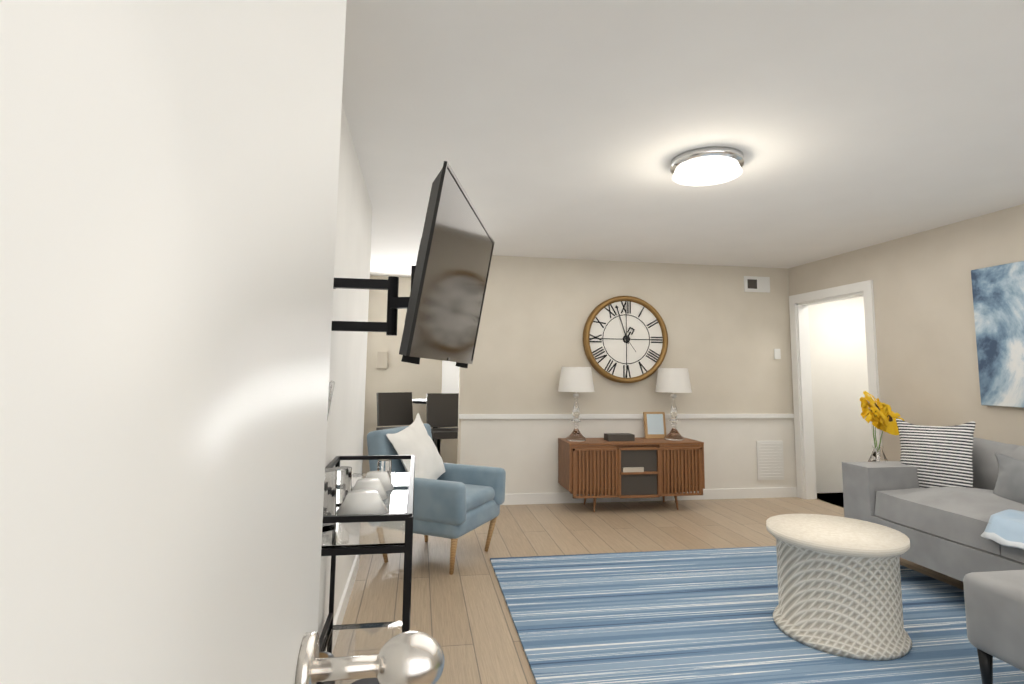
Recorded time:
{"hour": 12, "minute": 57}
